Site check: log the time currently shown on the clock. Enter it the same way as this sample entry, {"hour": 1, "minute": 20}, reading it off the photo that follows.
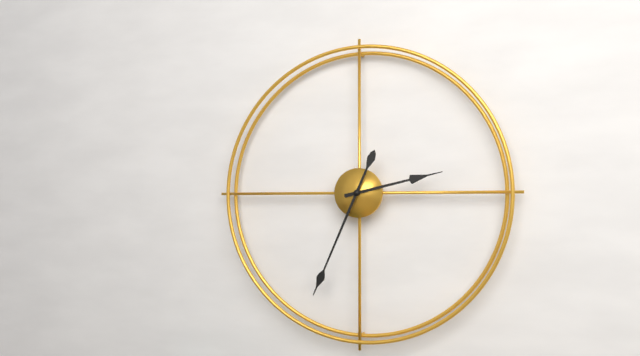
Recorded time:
{"hour": 2, "minute": 34}
